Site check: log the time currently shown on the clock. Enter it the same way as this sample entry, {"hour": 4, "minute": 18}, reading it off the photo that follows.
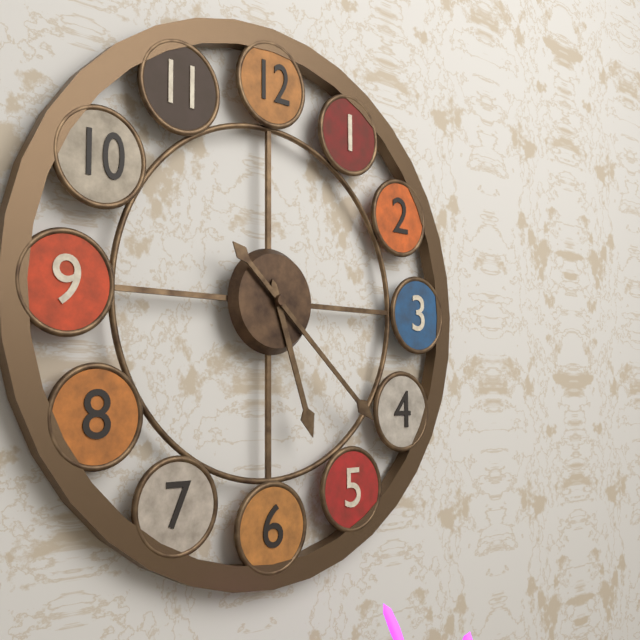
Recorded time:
{"hour": 5, "minute": 22}
